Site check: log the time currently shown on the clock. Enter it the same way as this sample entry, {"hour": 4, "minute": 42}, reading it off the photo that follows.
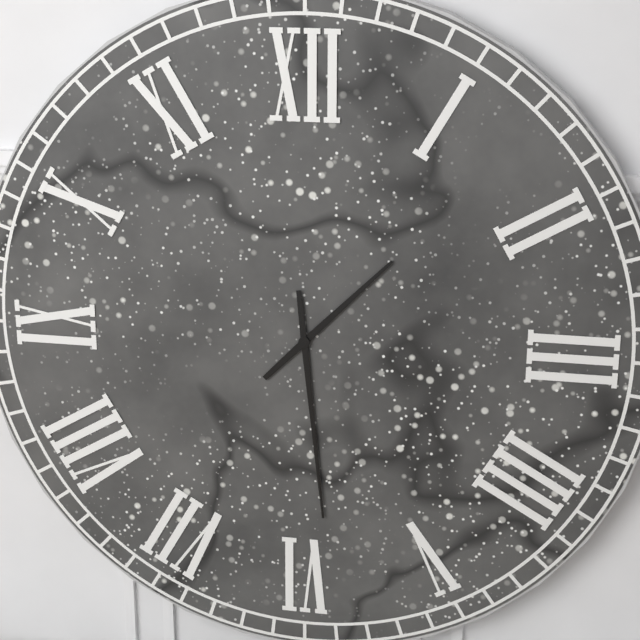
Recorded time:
{"hour": 1, "minute": 29}
